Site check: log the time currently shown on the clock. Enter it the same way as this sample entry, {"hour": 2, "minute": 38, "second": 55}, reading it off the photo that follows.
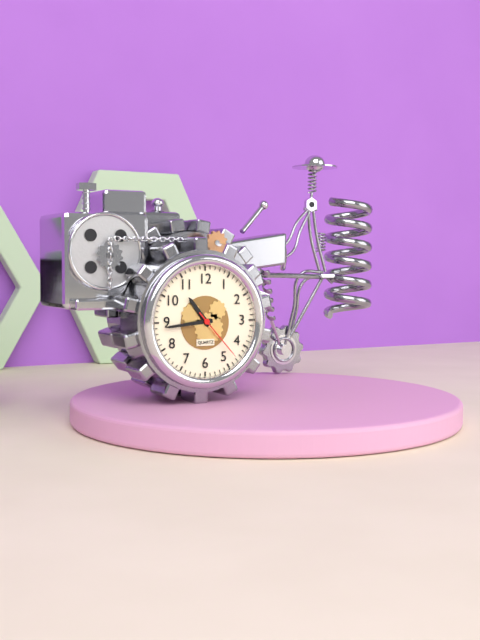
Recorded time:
{"hour": 10, "minute": 44, "second": 23}
